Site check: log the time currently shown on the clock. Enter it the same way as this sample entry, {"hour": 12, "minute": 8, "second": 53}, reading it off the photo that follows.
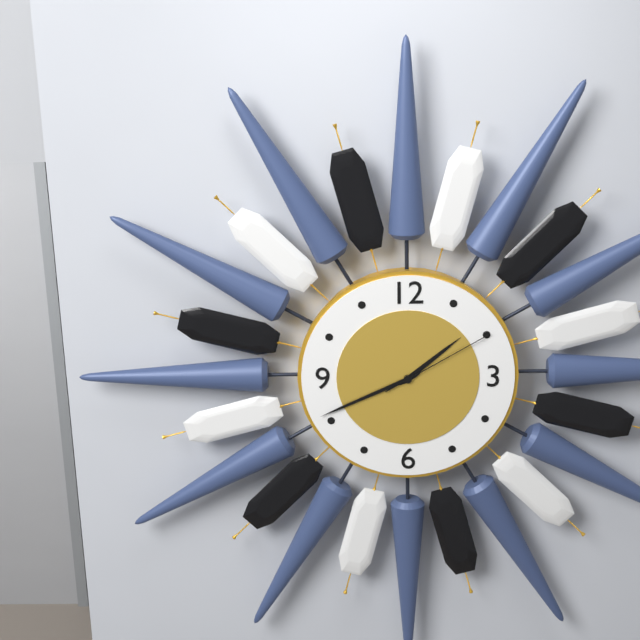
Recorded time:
{"hour": 1, "minute": 41, "second": 10}
